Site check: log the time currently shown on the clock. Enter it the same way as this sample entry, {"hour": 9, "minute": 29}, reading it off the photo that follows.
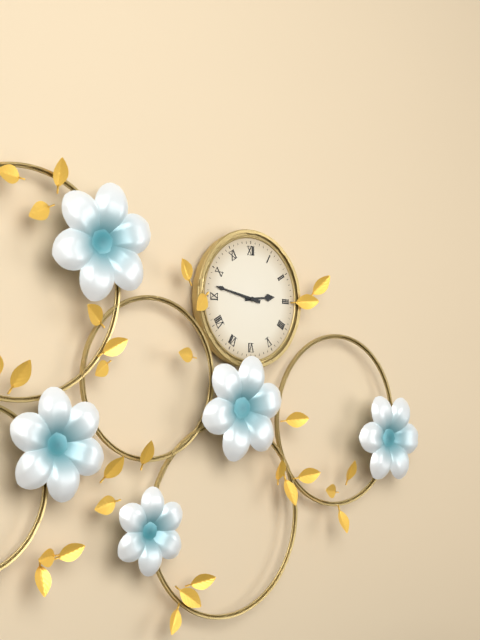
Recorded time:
{"hour": 2, "minute": 47}
